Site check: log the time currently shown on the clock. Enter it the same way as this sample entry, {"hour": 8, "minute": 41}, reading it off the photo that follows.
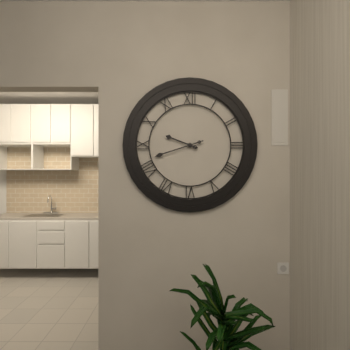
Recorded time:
{"hour": 9, "minute": 42}
